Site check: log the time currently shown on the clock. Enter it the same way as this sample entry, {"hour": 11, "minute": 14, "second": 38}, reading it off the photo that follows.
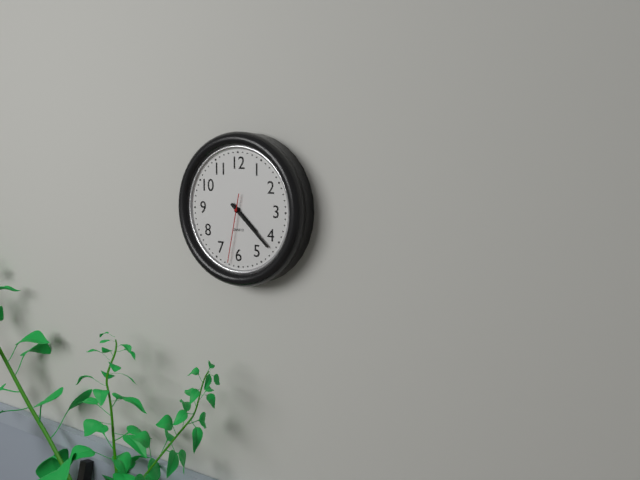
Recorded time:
{"hour": 4, "minute": 22, "second": 32}
